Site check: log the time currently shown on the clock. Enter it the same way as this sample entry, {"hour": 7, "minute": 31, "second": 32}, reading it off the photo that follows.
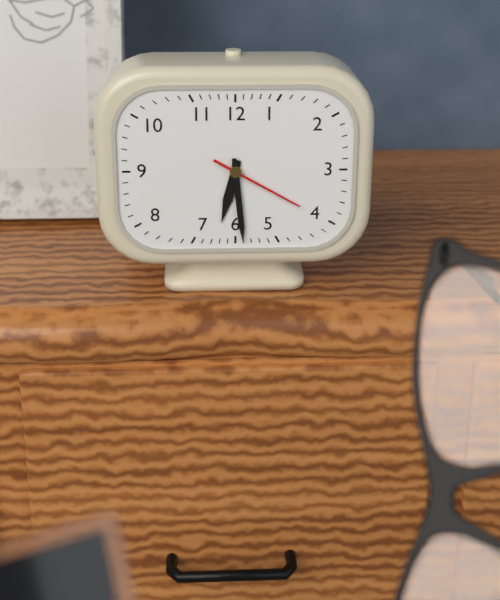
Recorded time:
{"hour": 6, "minute": 29, "second": 20}
